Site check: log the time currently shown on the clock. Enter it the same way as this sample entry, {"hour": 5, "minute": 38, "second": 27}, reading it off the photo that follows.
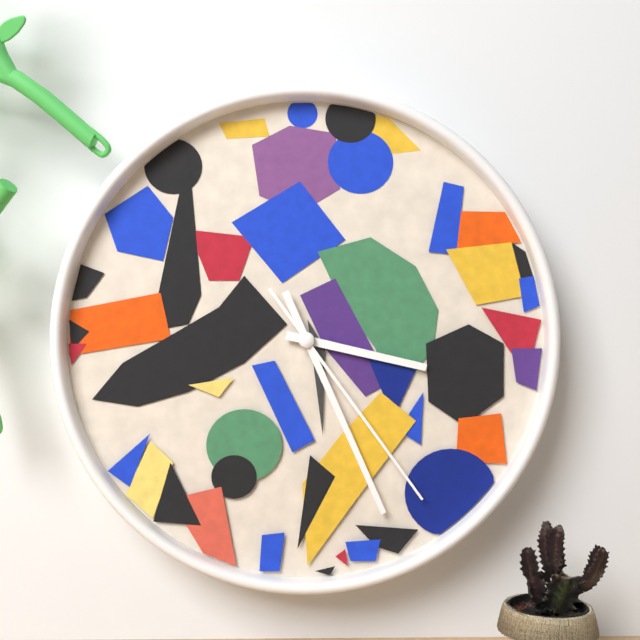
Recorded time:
{"hour": 3, "minute": 26, "second": 24}
